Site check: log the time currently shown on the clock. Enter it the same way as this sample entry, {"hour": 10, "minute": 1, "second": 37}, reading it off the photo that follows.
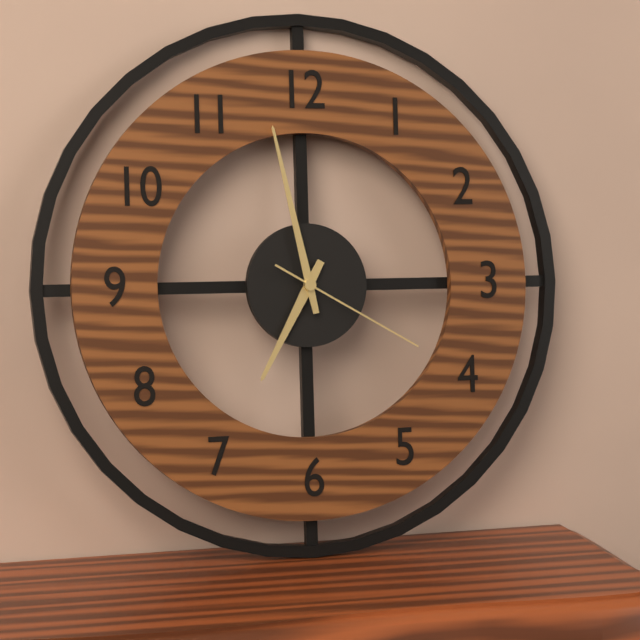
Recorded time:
{"hour": 6, "minute": 58, "second": 20}
